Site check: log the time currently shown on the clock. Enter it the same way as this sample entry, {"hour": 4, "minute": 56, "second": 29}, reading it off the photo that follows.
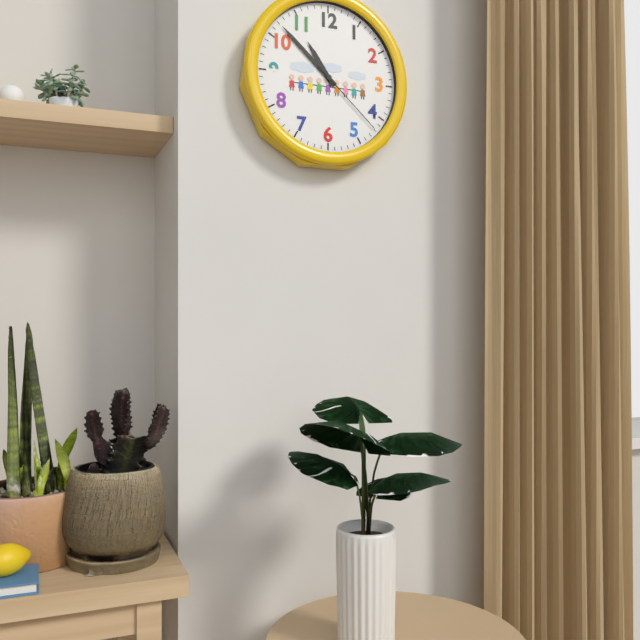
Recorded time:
{"hour": 10, "minute": 52, "second": 22}
